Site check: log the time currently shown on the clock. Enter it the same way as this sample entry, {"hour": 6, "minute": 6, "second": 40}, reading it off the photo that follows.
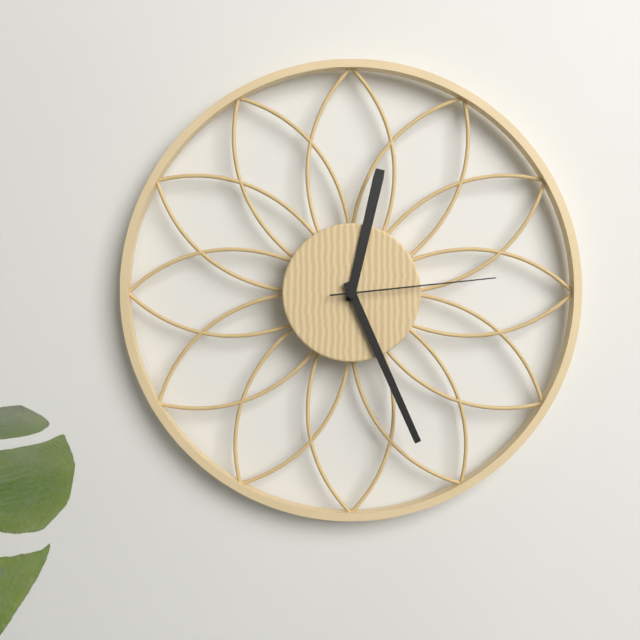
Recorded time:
{"hour": 12, "minute": 26, "second": 14}
